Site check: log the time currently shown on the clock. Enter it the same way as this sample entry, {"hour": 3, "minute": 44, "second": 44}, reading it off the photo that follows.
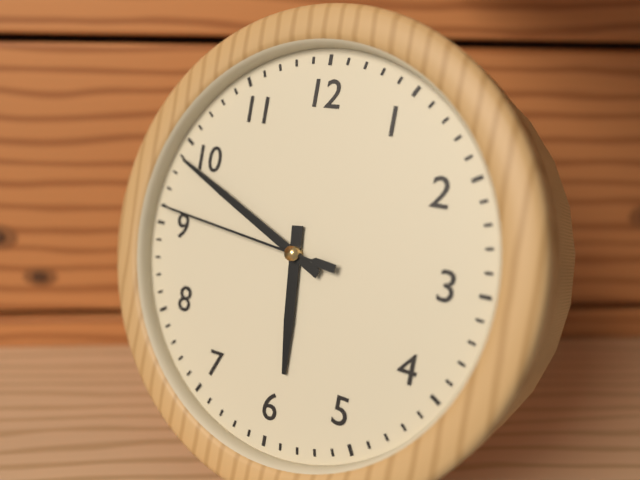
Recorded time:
{"hour": 5, "minute": 49, "second": 46}
